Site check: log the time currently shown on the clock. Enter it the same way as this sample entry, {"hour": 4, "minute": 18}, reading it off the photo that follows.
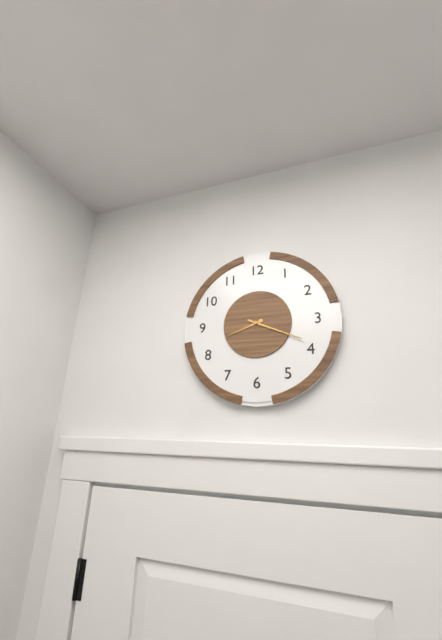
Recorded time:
{"hour": 8, "minute": 19}
